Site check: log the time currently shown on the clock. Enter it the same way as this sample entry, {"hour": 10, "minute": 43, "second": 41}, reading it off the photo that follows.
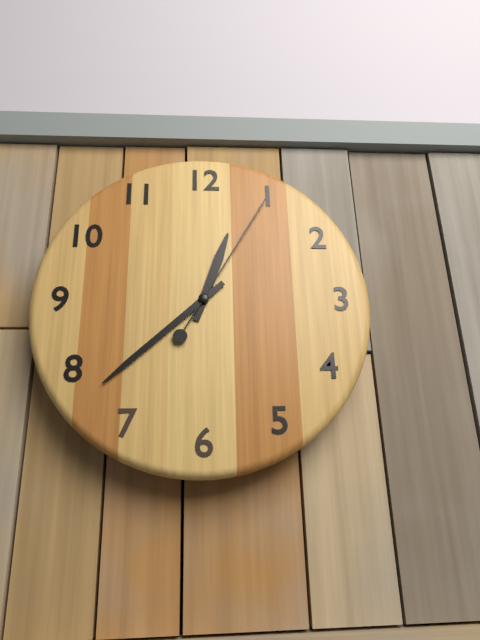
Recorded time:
{"hour": 12, "minute": 38, "second": 5}
